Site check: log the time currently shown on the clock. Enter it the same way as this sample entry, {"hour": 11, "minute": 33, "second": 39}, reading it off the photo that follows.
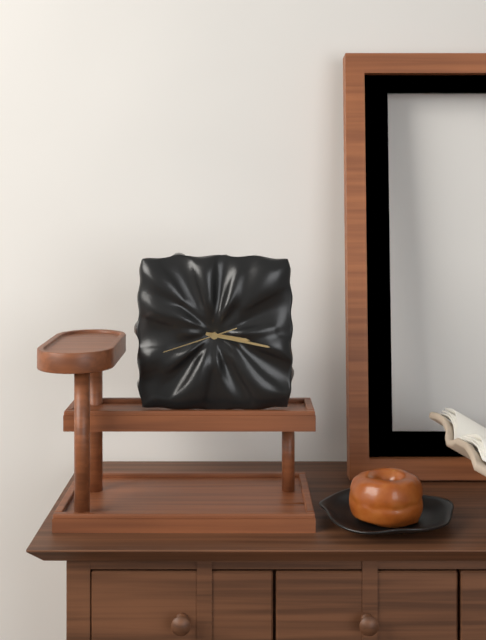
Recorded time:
{"hour": 3, "minute": 17, "second": 42}
